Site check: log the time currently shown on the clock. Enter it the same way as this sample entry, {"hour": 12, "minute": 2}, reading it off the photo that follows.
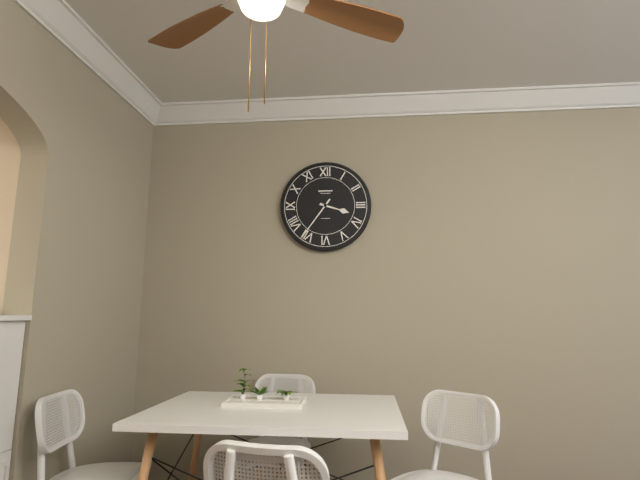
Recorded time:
{"hour": 3, "minute": 36}
